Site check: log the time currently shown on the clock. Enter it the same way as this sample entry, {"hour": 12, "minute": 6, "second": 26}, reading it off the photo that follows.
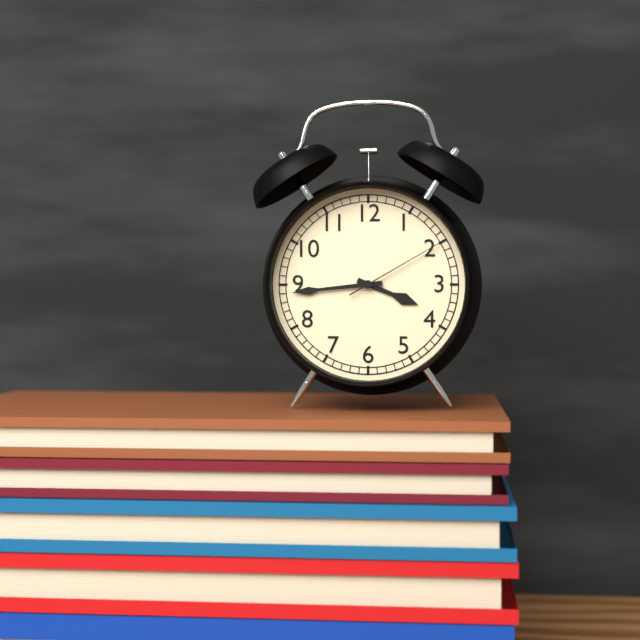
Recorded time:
{"hour": 3, "minute": 44, "second": 10}
